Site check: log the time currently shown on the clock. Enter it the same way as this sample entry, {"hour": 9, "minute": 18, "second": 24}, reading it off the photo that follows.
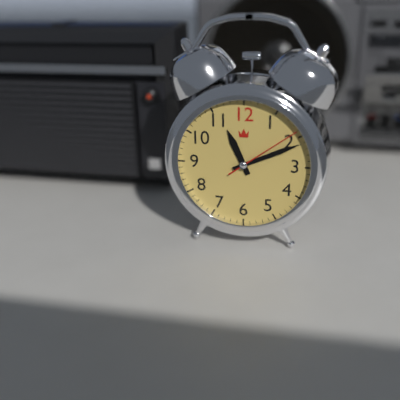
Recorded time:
{"hour": 11, "minute": 11, "second": 9}
